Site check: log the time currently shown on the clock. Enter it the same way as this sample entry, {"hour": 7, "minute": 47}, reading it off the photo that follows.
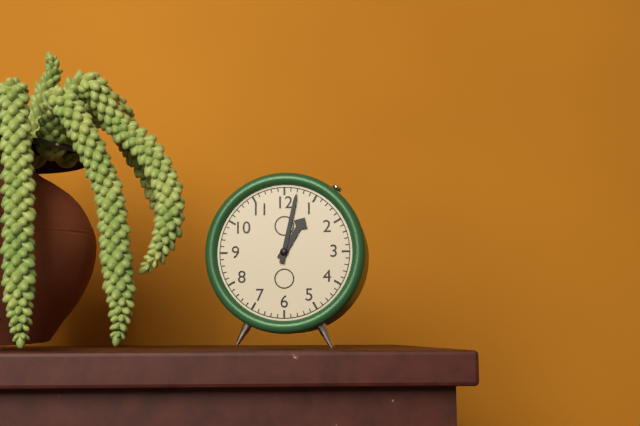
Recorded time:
{"hour": 1, "minute": 2}
